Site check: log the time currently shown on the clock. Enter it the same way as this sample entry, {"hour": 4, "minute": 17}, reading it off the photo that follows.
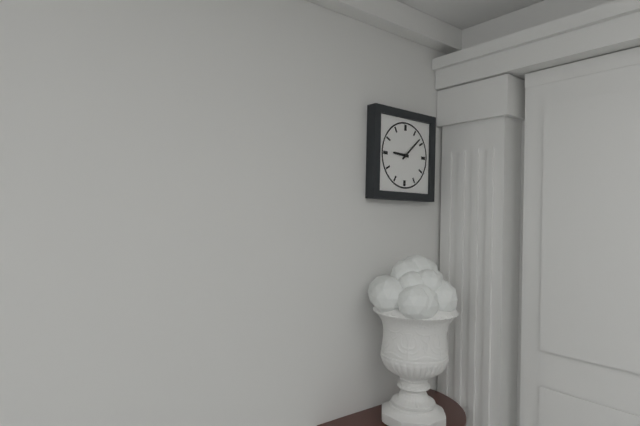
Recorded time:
{"hour": 9, "minute": 8}
